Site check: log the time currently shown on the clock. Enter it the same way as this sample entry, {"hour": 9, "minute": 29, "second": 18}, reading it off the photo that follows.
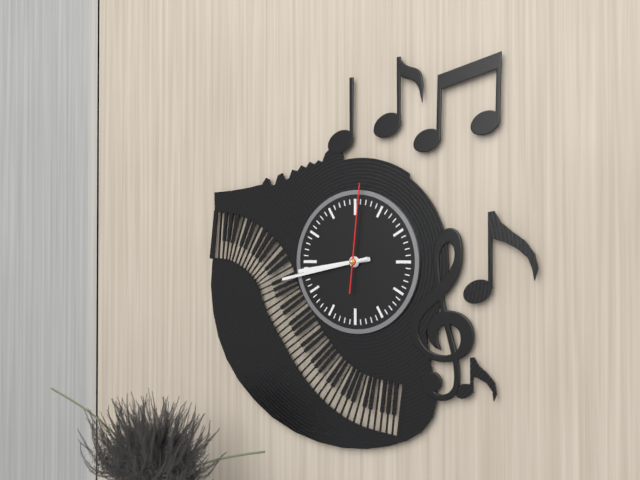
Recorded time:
{"hour": 8, "minute": 43, "second": 1}
